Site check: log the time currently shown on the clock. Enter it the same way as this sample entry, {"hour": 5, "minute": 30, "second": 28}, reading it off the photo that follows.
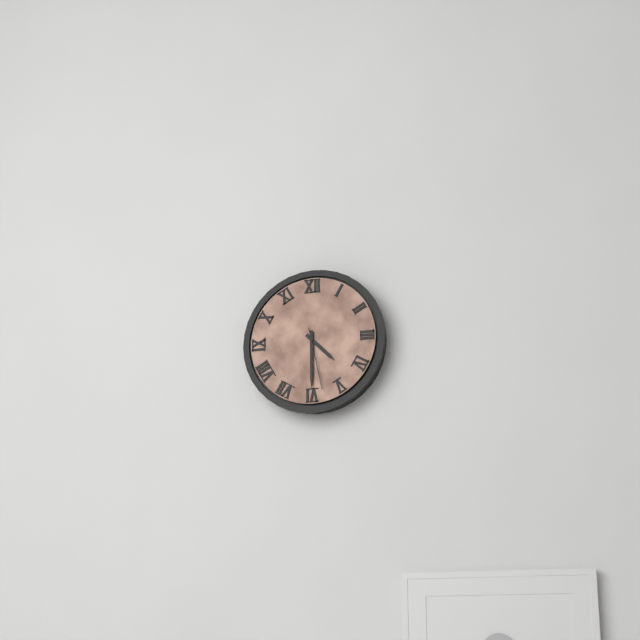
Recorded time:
{"hour": 4, "minute": 30, "second": 28}
